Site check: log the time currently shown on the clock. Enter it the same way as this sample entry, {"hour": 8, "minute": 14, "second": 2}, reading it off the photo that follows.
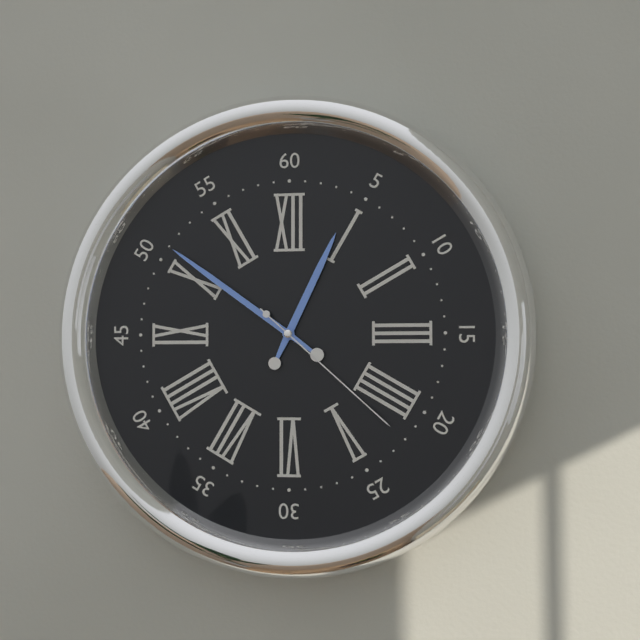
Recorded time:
{"hour": 12, "minute": 51, "second": 22}
